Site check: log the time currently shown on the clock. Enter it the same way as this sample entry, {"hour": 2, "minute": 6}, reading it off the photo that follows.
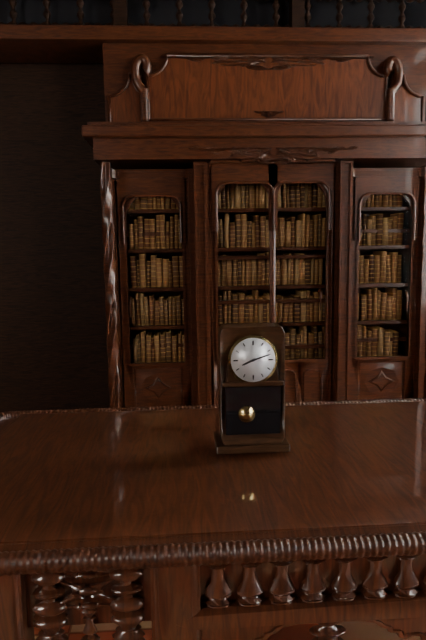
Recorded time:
{"hour": 8, "minute": 12}
